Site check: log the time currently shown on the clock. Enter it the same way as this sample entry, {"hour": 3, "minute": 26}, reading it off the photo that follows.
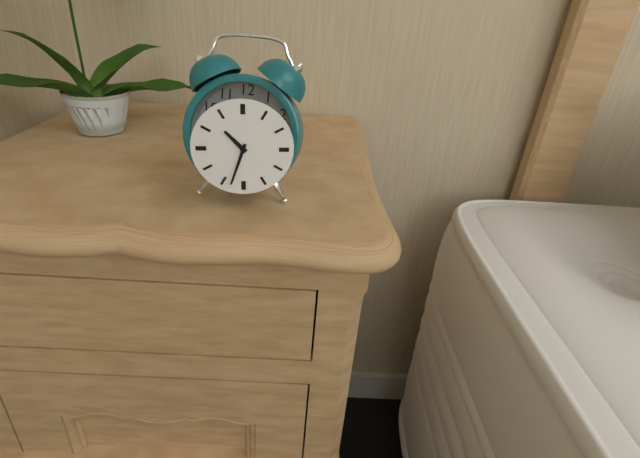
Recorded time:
{"hour": 10, "minute": 33}
